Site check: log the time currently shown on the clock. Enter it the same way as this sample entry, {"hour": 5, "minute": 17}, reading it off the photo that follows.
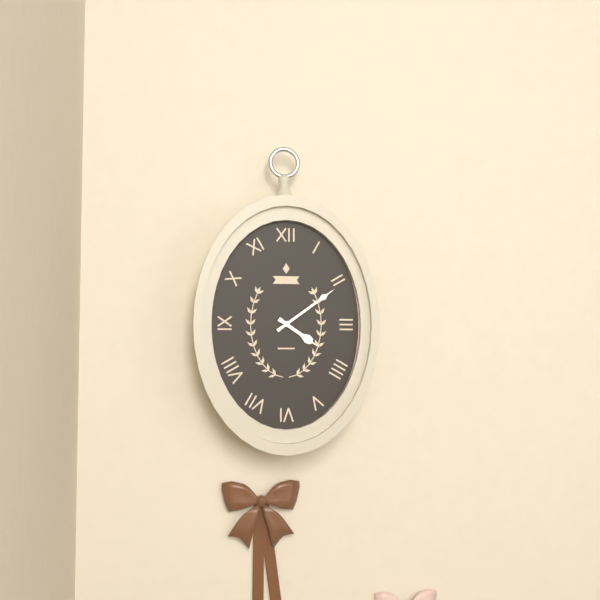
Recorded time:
{"hour": 4, "minute": 9}
